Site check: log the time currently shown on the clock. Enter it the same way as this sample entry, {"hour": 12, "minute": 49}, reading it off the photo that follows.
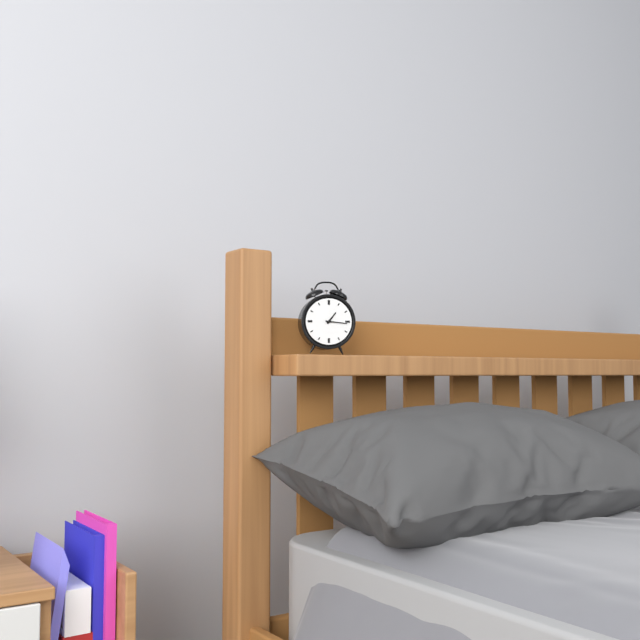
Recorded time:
{"hour": 1, "minute": 16}
